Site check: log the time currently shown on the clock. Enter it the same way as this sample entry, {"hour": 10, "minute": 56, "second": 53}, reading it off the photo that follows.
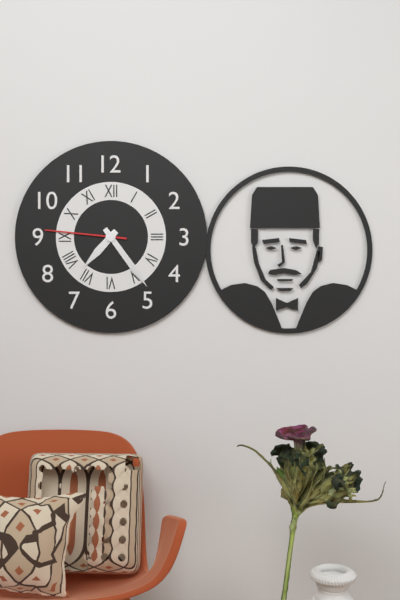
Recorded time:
{"hour": 7, "minute": 24, "second": 46}
